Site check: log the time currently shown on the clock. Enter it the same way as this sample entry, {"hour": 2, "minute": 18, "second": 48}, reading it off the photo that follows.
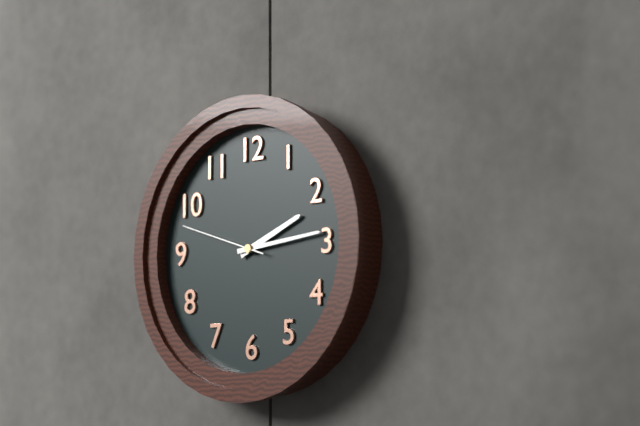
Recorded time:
{"hour": 2, "minute": 14, "second": 48}
